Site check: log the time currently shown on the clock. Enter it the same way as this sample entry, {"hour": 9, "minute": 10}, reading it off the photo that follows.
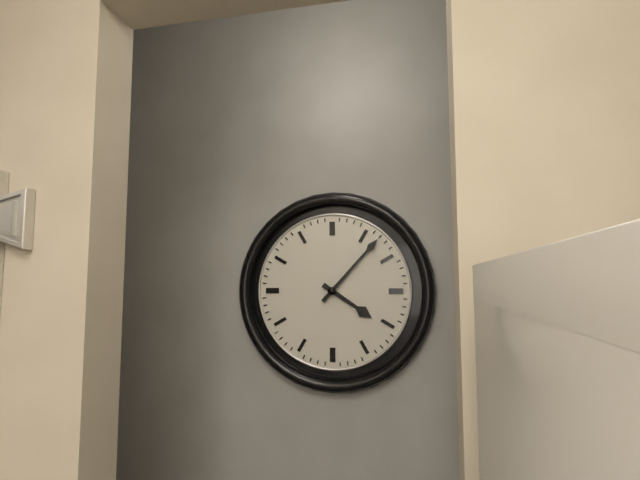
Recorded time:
{"hour": 4, "minute": 7}
